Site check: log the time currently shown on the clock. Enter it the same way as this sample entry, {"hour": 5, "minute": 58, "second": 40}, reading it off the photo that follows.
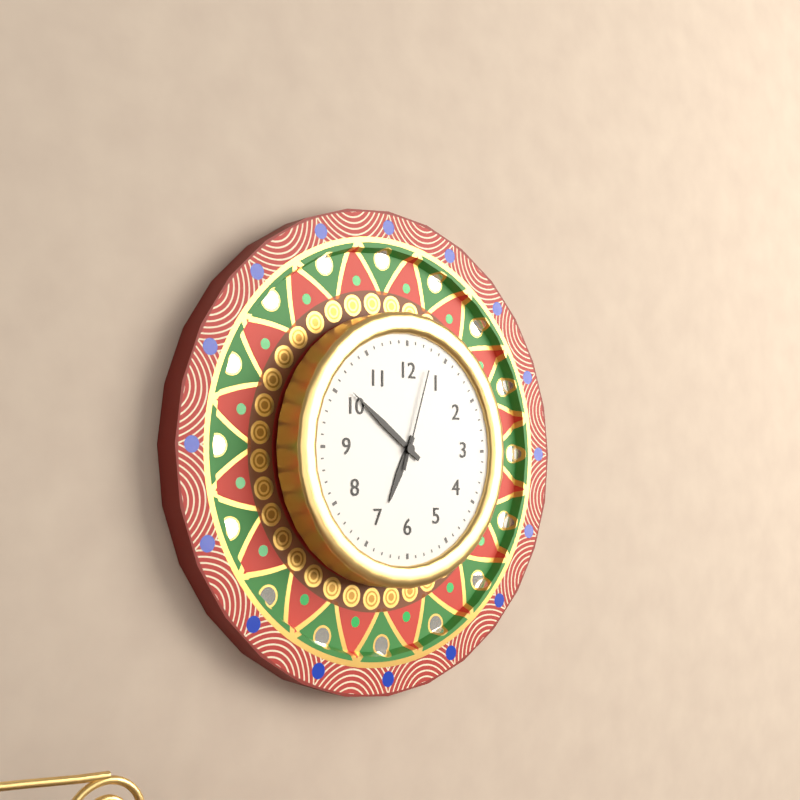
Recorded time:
{"hour": 6, "minute": 51, "second": 3}
